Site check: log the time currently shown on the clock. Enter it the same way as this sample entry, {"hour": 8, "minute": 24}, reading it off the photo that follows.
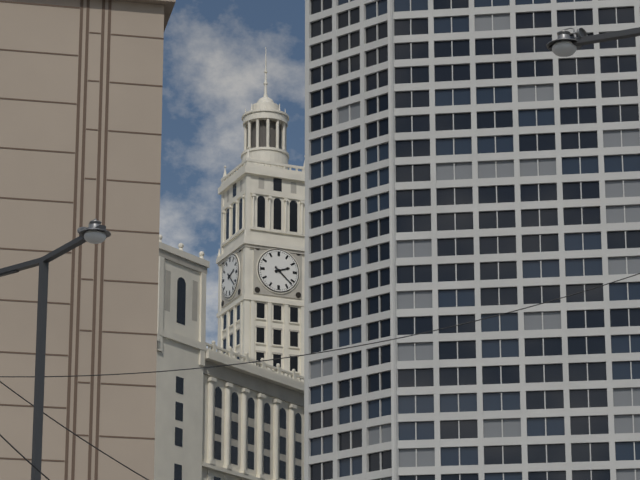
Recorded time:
{"hour": 2, "minute": 22}
